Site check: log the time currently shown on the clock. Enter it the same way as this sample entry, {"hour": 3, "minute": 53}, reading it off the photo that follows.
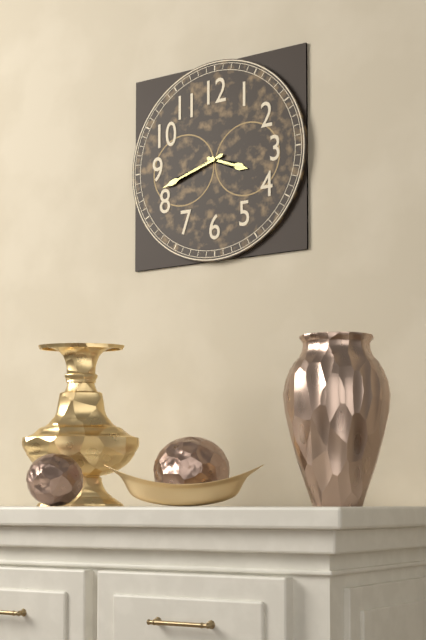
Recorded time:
{"hour": 3, "minute": 42}
